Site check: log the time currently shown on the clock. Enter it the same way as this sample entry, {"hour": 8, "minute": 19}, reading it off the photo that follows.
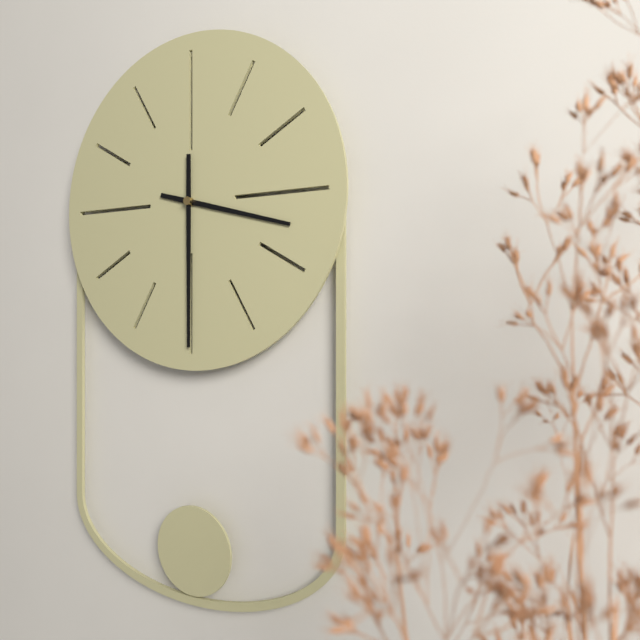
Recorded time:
{"hour": 3, "minute": 30}
